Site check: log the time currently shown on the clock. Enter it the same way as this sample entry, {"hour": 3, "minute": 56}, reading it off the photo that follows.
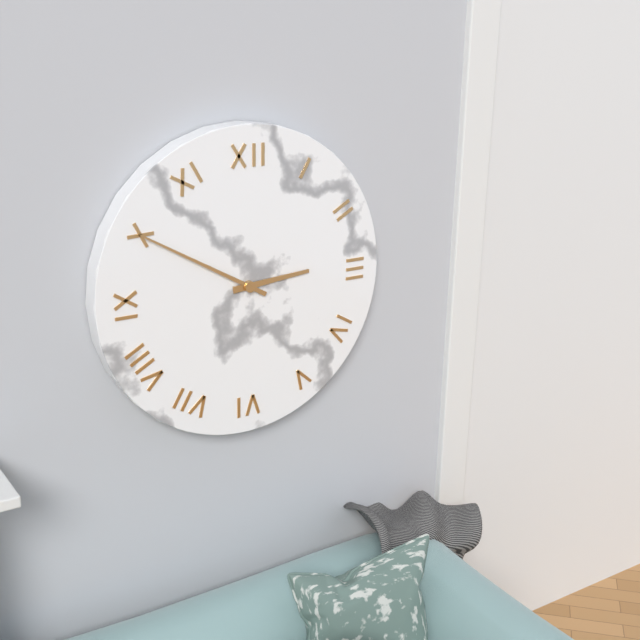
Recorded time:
{"hour": 2, "minute": 50}
